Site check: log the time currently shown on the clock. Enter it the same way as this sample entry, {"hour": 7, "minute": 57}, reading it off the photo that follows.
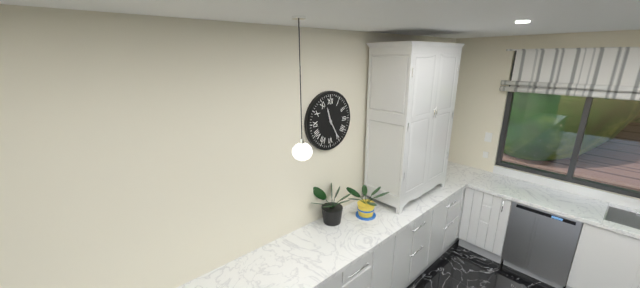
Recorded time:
{"hour": 11, "minute": 25}
